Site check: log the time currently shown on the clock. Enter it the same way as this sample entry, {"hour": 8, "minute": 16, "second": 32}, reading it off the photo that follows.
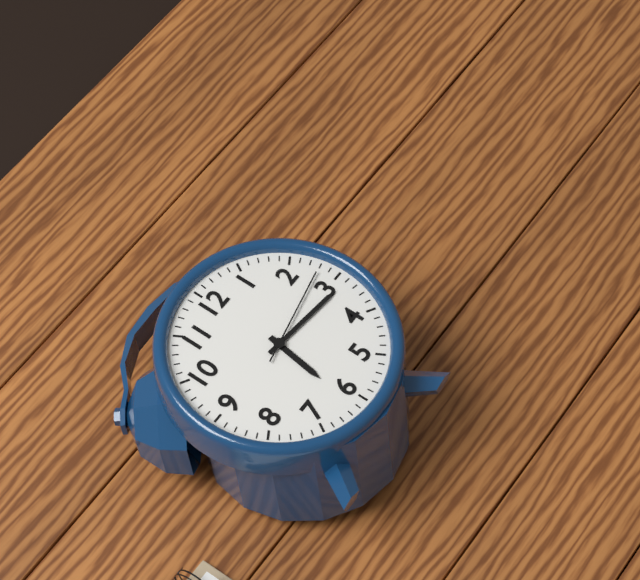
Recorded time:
{"hour": 6, "minute": 16, "second": 13}
